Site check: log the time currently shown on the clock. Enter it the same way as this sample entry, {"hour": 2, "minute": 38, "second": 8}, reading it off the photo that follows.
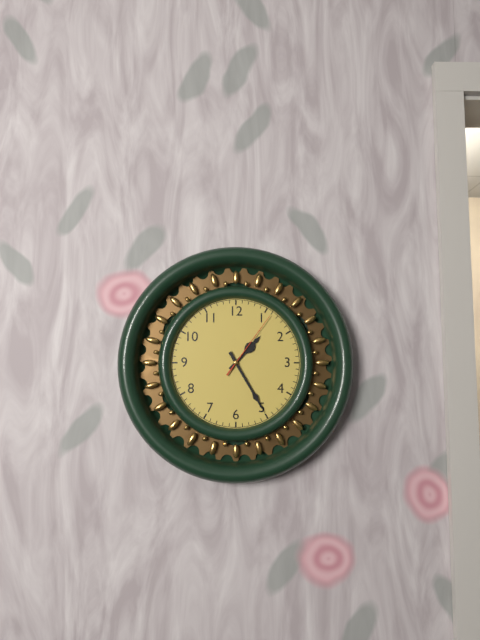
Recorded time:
{"hour": 1, "minute": 25, "second": 6}
